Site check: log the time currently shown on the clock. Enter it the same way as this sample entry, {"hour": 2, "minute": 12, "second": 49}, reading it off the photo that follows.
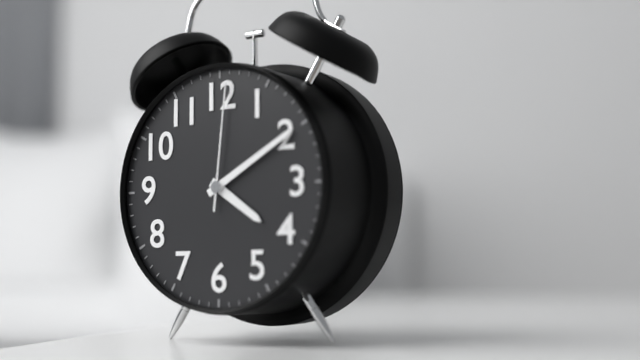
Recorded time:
{"hour": 4, "minute": 10, "second": 1}
